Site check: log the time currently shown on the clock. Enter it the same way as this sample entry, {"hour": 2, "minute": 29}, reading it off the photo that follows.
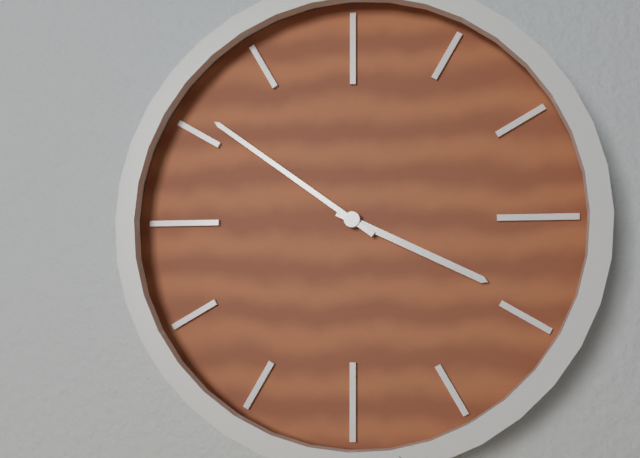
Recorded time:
{"hour": 3, "minute": 51}
